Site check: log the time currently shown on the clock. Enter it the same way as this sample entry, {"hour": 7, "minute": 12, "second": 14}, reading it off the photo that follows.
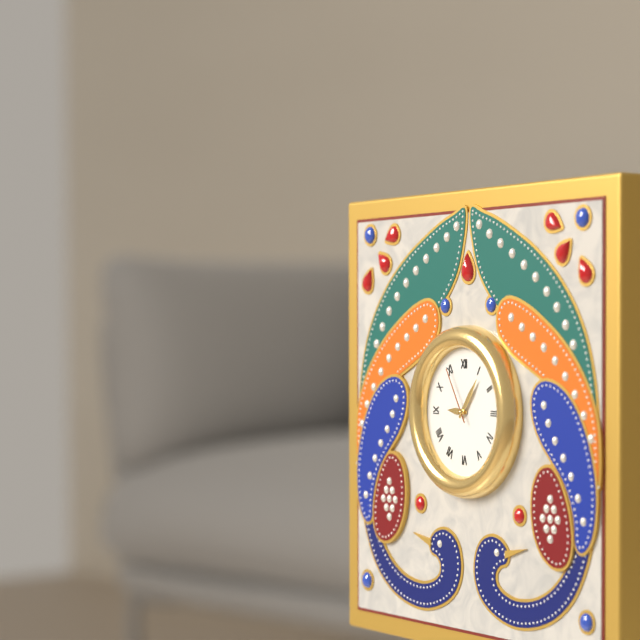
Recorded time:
{"hour": 9, "minute": 6, "second": 55}
